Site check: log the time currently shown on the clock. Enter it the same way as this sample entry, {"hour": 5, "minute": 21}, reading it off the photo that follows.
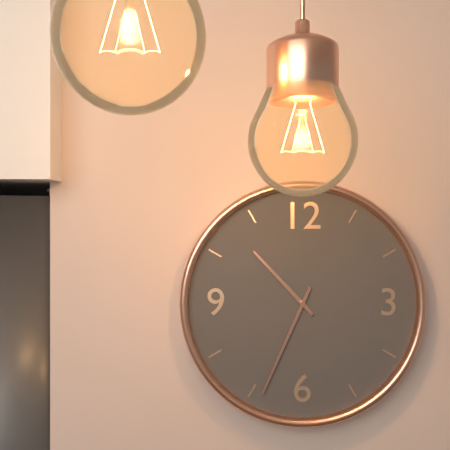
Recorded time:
{"hour": 10, "minute": 34}
